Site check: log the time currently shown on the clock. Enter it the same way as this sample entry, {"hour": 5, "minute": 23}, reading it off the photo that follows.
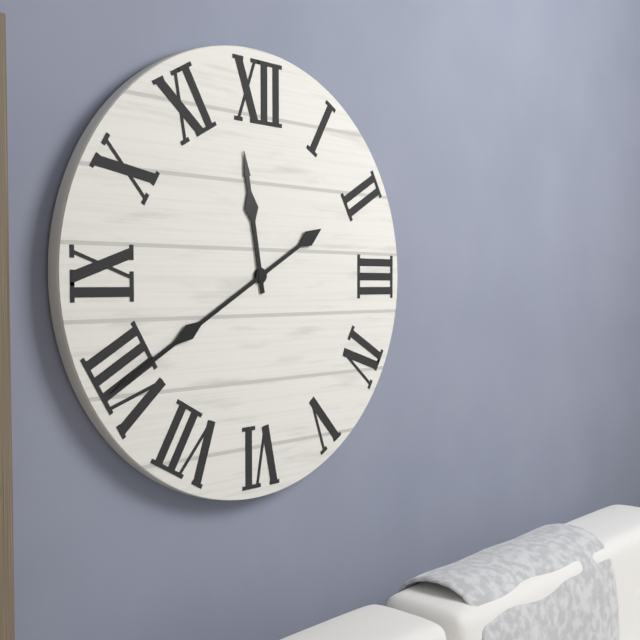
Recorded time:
{"hour": 11, "minute": 40}
